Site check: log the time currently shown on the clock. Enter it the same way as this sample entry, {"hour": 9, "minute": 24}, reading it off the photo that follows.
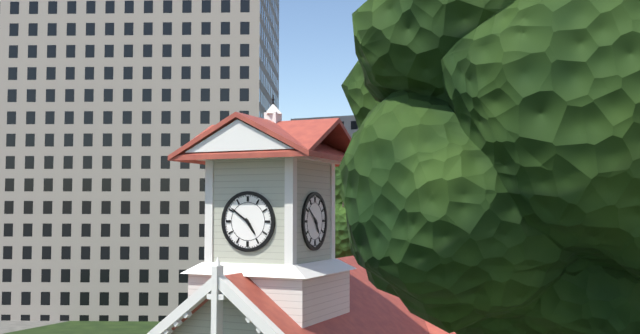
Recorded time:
{"hour": 4, "minute": 51}
